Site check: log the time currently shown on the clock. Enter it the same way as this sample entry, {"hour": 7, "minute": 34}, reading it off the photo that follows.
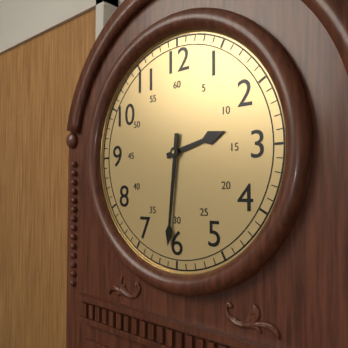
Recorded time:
{"hour": 2, "minute": 31}
